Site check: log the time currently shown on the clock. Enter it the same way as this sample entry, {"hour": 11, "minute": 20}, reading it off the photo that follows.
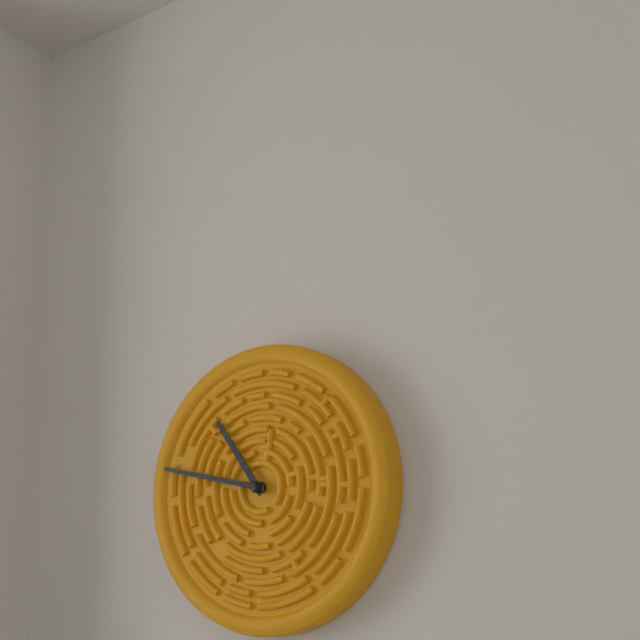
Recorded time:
{"hour": 10, "minute": 47}
